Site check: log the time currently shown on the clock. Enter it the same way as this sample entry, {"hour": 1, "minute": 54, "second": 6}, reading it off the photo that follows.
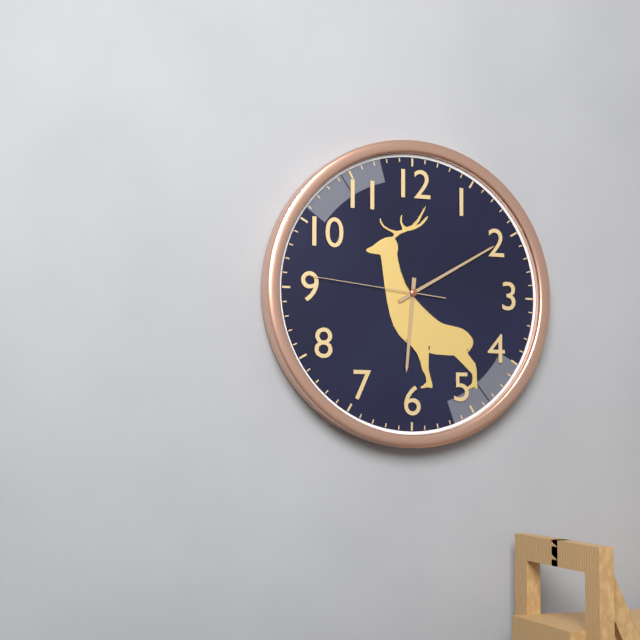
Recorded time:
{"hour": 6, "minute": 10, "second": 46}
